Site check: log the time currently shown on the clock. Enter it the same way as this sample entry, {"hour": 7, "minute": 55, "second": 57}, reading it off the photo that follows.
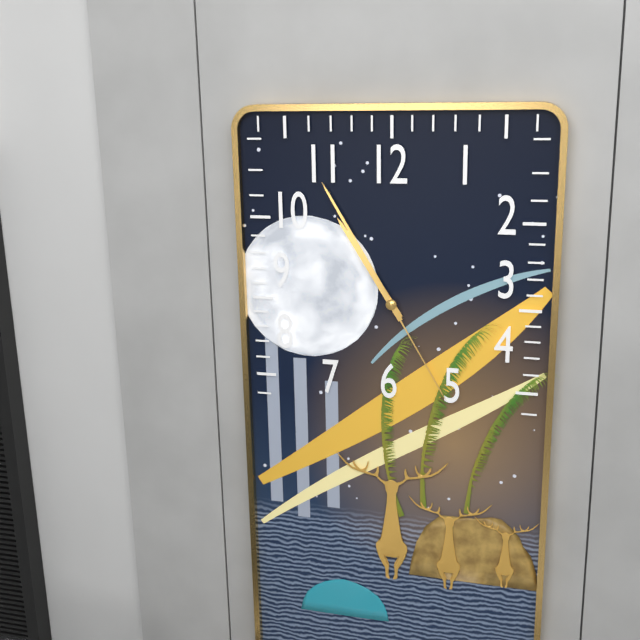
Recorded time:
{"hour": 10, "minute": 55, "second": 25}
